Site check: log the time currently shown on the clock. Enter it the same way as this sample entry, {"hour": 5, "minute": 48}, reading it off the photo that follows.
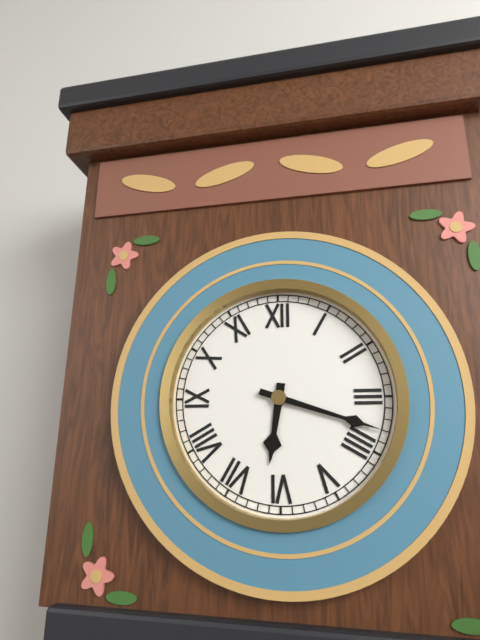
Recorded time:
{"hour": 6, "minute": 18}
